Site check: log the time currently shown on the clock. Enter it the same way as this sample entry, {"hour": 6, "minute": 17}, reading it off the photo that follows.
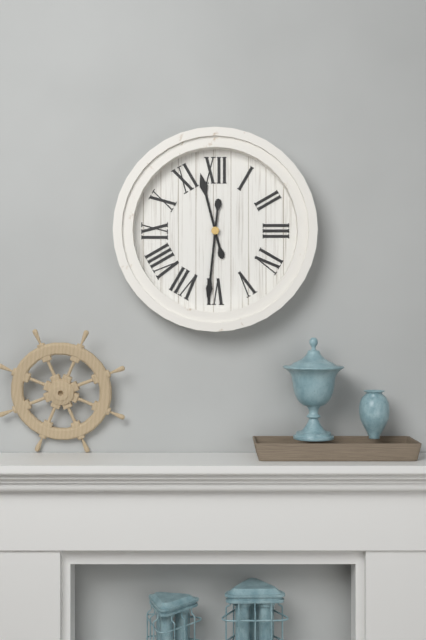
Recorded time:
{"hour": 11, "minute": 31}
